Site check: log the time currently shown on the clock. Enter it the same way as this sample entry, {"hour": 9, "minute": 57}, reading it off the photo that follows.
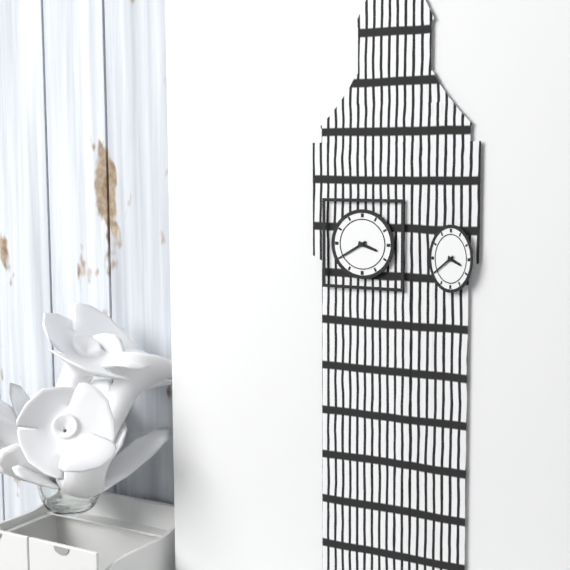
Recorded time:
{"hour": 3, "minute": 40}
